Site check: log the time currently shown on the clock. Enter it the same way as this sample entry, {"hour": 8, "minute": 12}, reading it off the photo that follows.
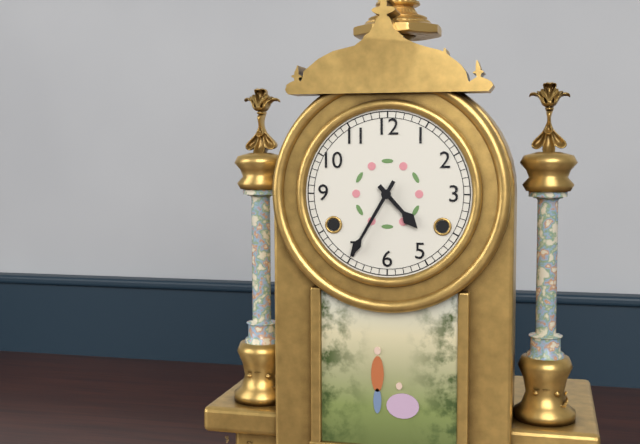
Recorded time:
{"hour": 4, "minute": 35}
